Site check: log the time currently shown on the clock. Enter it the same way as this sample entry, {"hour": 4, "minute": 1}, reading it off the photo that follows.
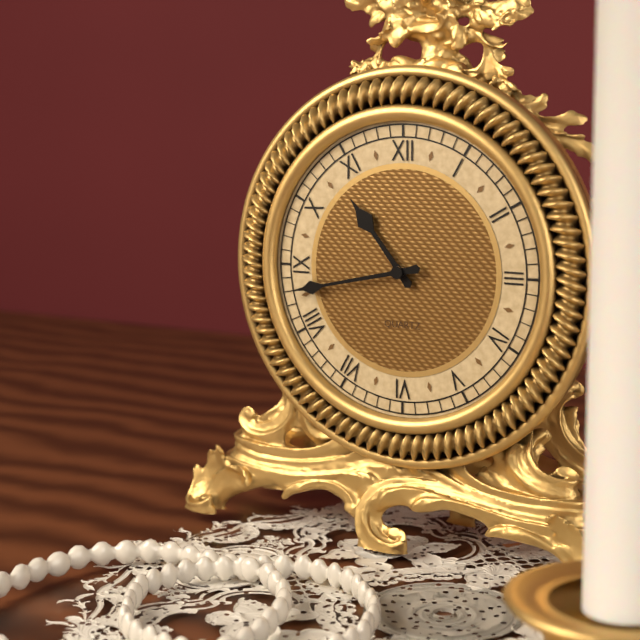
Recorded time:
{"hour": 10, "minute": 43}
